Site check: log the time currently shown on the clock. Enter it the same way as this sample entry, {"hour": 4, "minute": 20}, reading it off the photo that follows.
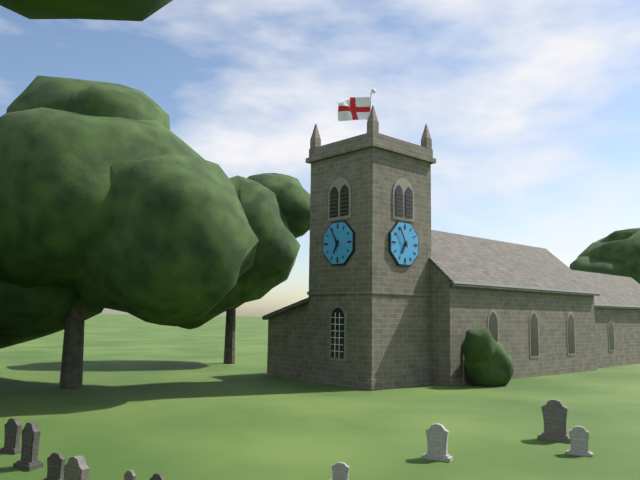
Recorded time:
{"hour": 6, "minute": 55}
